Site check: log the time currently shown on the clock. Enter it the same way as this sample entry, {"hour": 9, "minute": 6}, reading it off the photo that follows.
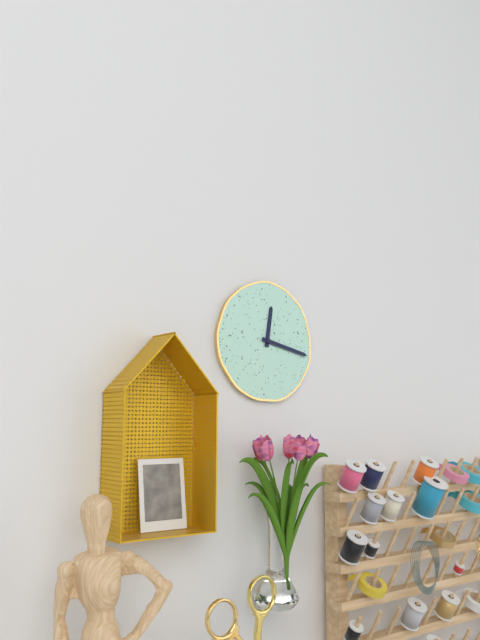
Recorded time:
{"hour": 12, "minute": 17}
